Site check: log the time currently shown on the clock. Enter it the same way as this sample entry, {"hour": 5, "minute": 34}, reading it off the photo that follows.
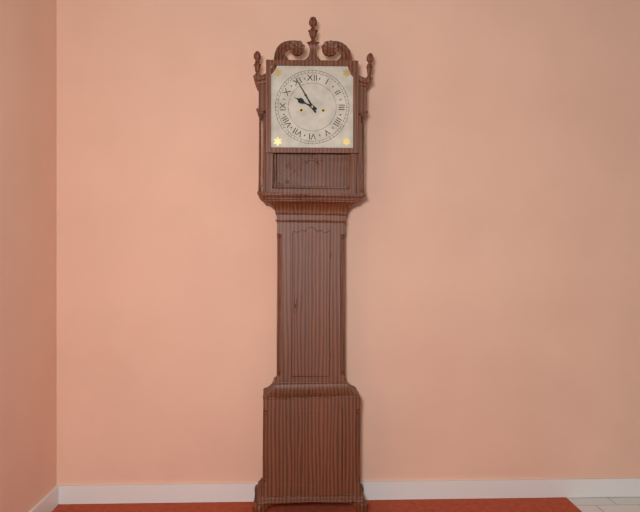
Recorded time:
{"hour": 9, "minute": 55}
